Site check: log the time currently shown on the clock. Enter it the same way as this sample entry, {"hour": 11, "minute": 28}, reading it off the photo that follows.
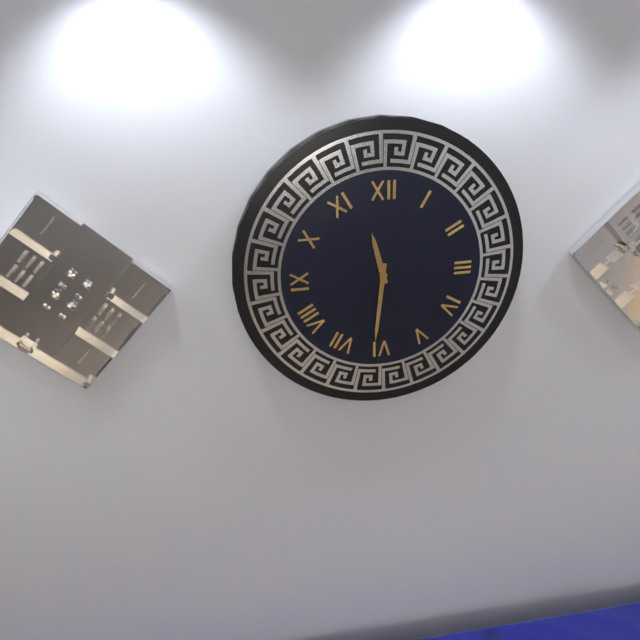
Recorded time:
{"hour": 11, "minute": 31}
